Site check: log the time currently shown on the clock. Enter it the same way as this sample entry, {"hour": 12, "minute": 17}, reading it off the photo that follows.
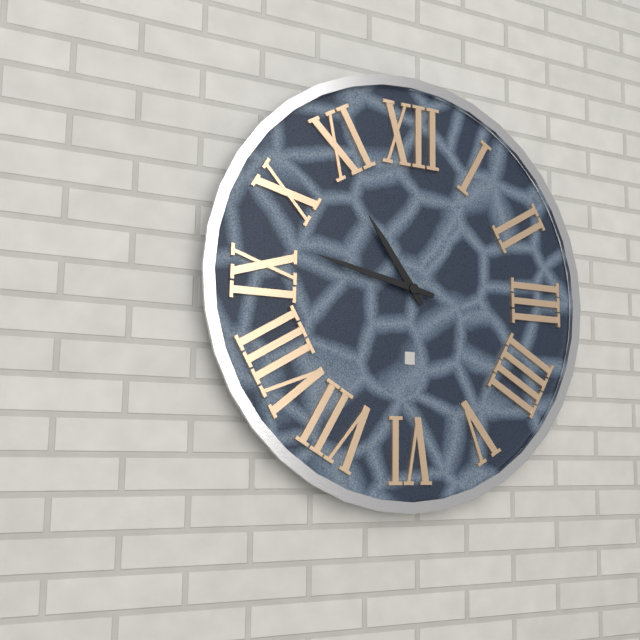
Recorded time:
{"hour": 10, "minute": 47}
